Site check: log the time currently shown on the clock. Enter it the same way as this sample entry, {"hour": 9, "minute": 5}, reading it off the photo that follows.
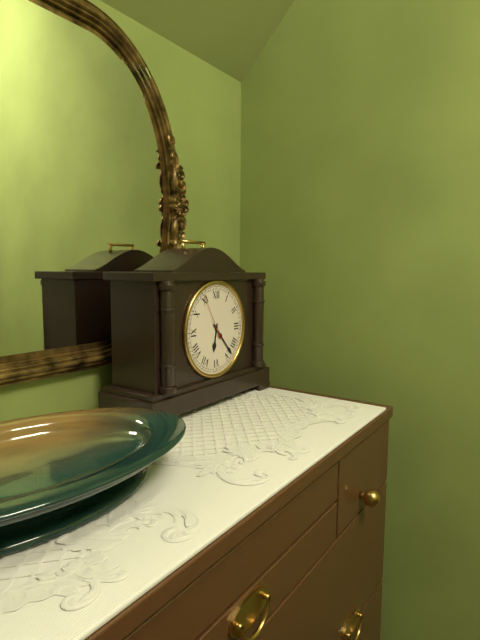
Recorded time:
{"hour": 6, "minute": 23}
